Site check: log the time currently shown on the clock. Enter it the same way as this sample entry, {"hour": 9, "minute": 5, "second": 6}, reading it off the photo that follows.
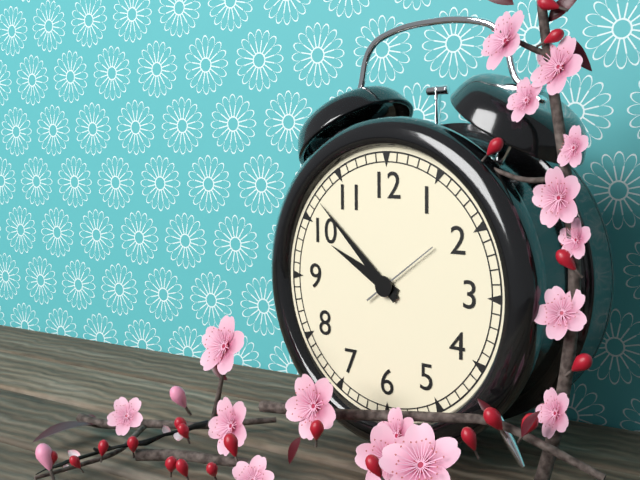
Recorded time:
{"hour": 9, "minute": 52, "second": 9}
